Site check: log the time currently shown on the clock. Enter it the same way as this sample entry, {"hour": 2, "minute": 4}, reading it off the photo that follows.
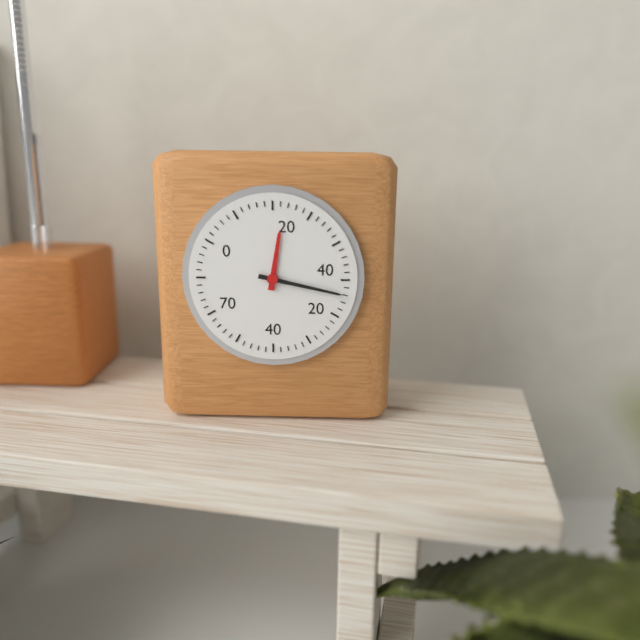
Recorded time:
{"hour": 12, "minute": 17}
